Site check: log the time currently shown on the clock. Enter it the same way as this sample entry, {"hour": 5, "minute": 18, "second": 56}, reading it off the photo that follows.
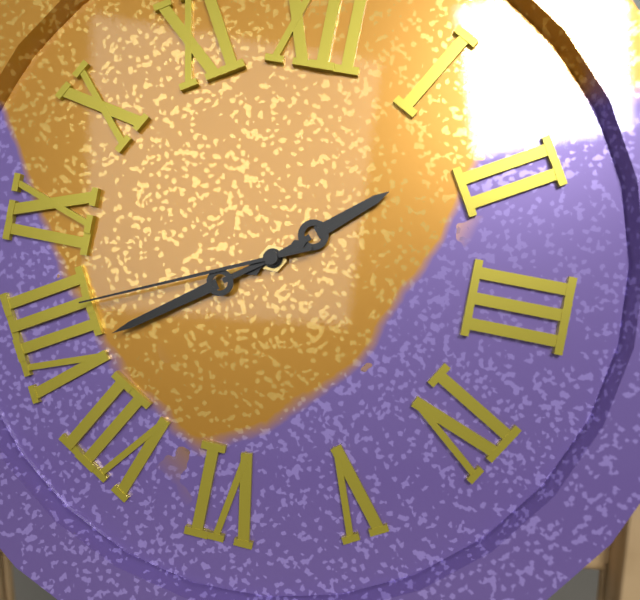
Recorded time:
{"hour": 1, "minute": 39, "second": 41}
